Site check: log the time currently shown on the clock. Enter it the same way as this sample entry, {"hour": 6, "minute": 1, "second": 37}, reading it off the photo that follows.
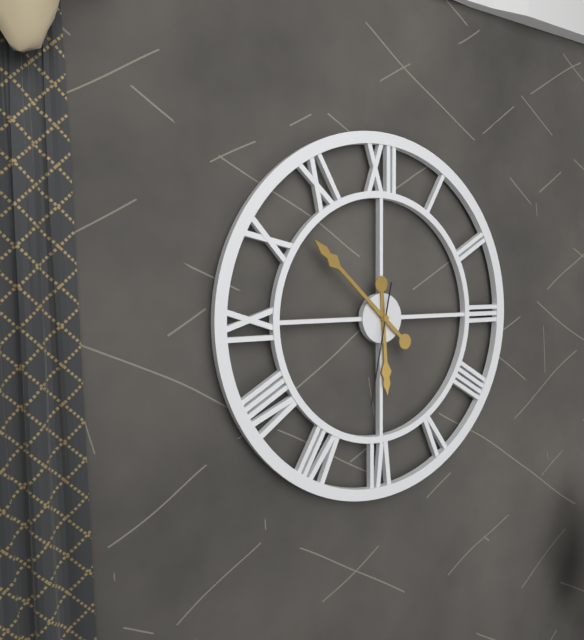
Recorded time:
{"hour": 5, "minute": 52, "second": 32}
